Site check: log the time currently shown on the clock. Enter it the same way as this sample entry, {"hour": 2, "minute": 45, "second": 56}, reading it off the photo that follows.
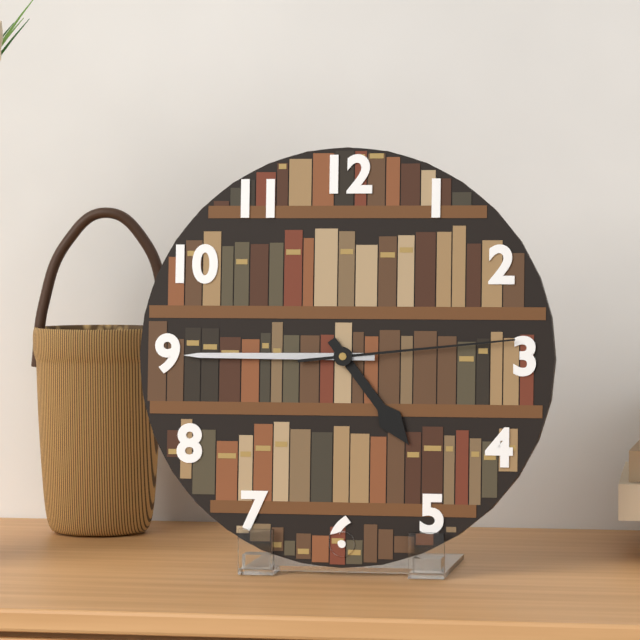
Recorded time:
{"hour": 4, "minute": 45, "second": 14}
